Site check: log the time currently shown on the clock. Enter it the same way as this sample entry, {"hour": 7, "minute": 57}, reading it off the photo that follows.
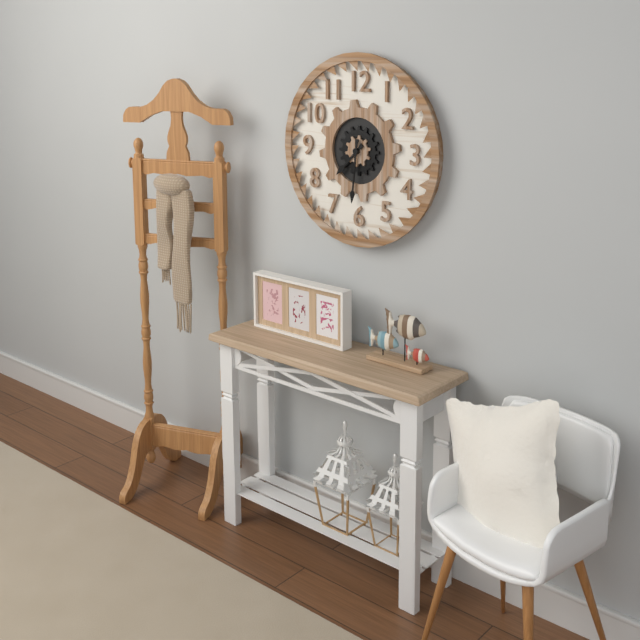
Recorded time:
{"hour": 7, "minute": 31}
